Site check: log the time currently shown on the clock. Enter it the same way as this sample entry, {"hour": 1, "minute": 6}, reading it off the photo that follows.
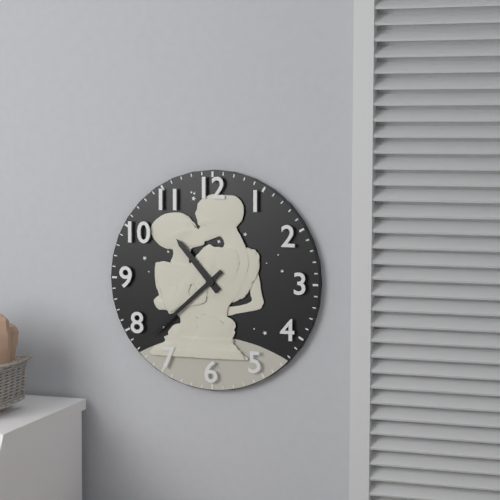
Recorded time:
{"hour": 10, "minute": 38}
